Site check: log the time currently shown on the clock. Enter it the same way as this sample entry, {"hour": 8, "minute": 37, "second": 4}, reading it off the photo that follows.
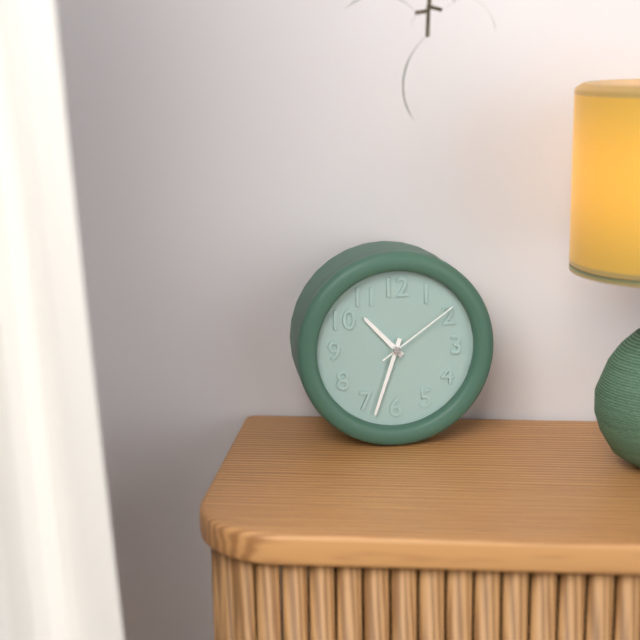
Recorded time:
{"hour": 10, "minute": 33, "second": 9}
